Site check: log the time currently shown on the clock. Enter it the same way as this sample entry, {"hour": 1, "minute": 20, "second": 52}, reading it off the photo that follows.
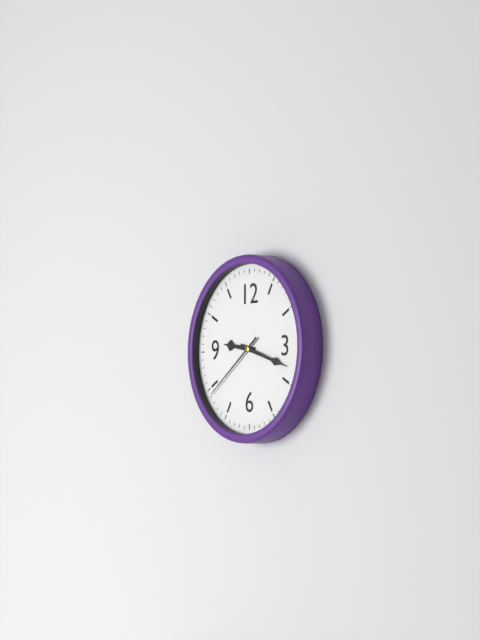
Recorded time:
{"hour": 9, "minute": 18, "second": 39}
